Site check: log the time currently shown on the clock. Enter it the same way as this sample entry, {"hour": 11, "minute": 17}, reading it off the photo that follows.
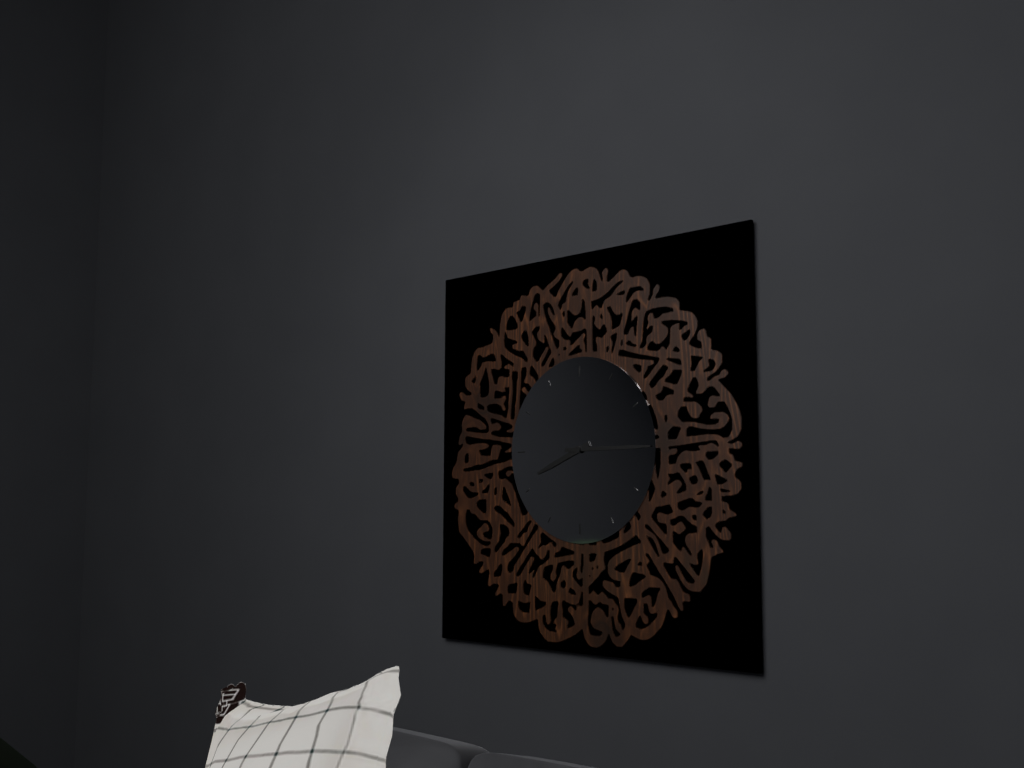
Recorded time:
{"hour": 8, "minute": 15}
